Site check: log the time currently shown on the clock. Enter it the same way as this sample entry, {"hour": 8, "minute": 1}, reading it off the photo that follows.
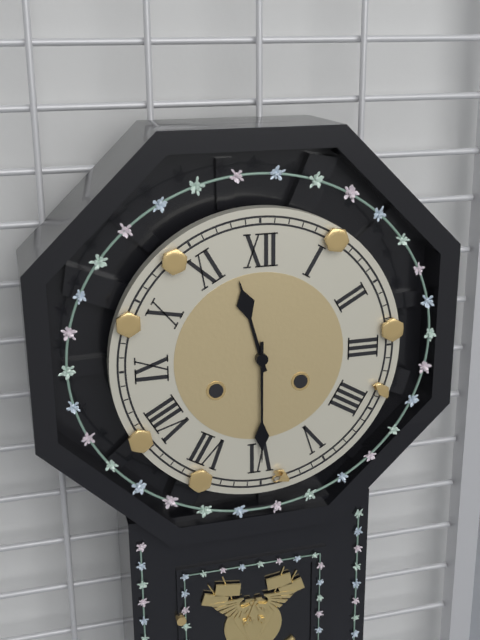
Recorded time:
{"hour": 11, "minute": 30}
